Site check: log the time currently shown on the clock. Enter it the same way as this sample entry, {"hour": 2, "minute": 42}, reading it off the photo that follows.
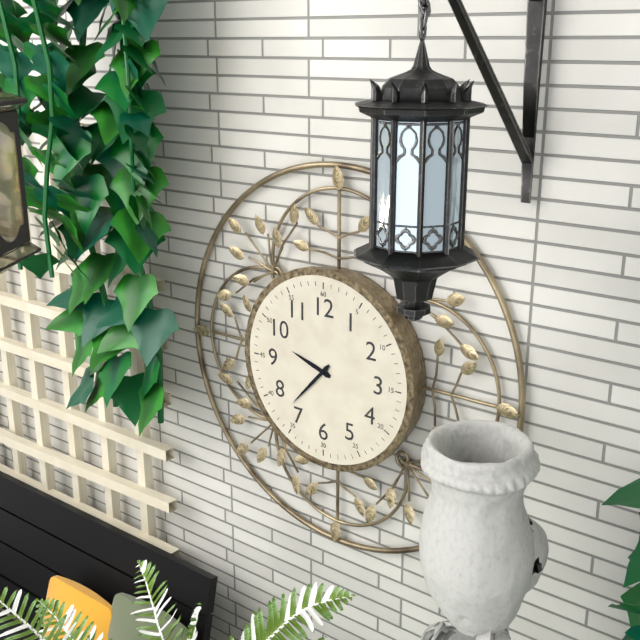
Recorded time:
{"hour": 9, "minute": 37}
